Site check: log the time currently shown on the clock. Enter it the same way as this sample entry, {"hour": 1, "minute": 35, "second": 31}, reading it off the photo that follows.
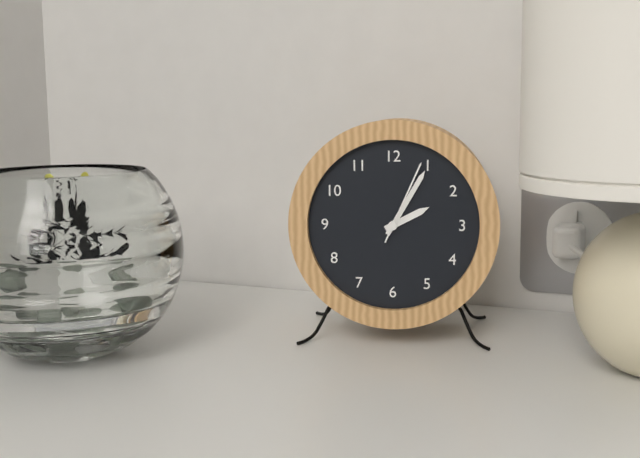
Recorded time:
{"hour": 2, "minute": 5, "second": 4}
